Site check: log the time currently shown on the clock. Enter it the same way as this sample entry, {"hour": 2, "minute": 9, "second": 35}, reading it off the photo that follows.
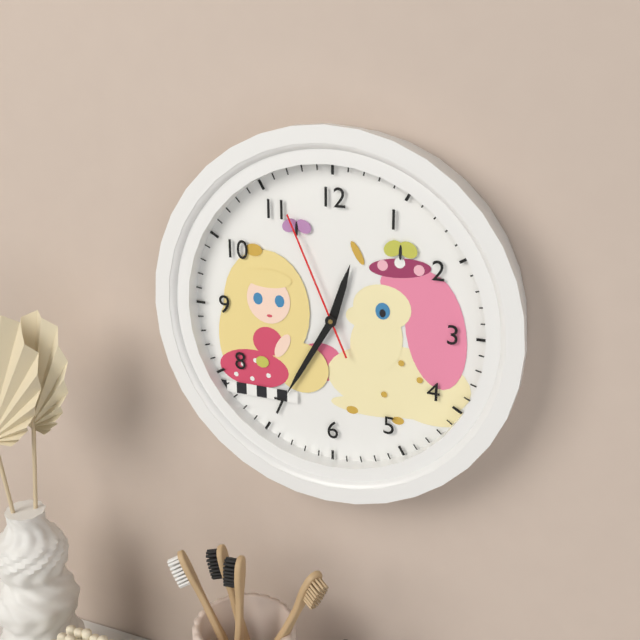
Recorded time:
{"hour": 12, "minute": 35, "second": 56}
